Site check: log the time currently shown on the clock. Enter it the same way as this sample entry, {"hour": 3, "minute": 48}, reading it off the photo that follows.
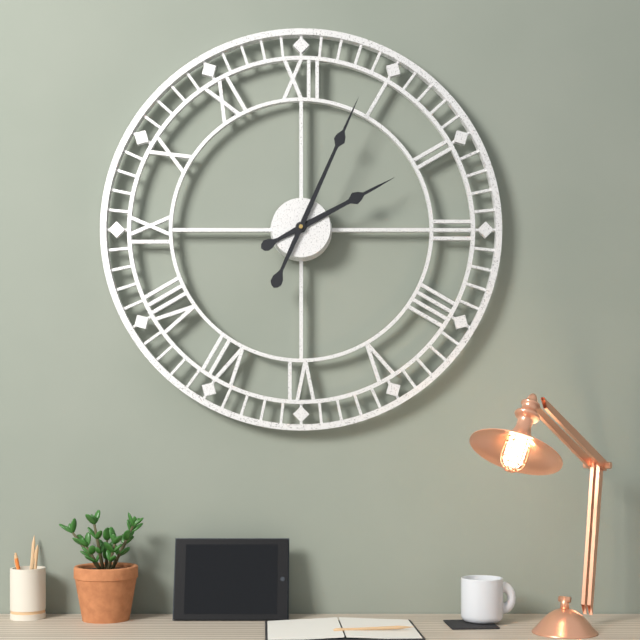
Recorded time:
{"hour": 2, "minute": 4}
